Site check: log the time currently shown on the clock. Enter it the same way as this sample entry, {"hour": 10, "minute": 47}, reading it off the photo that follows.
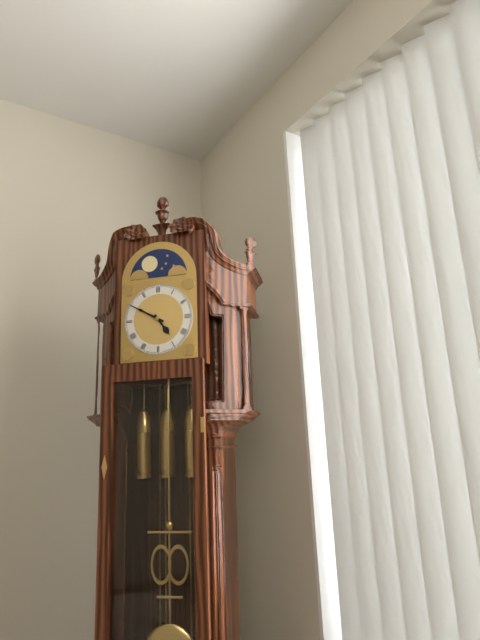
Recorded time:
{"hour": 4, "minute": 50}
